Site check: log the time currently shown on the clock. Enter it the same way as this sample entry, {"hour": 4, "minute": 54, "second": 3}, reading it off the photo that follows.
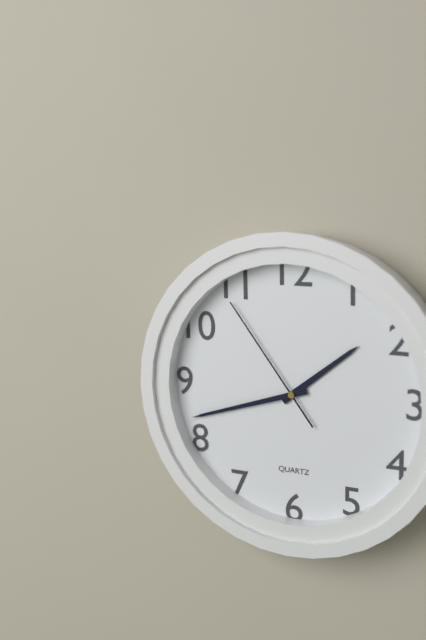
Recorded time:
{"hour": 1, "minute": 42, "second": 54}
